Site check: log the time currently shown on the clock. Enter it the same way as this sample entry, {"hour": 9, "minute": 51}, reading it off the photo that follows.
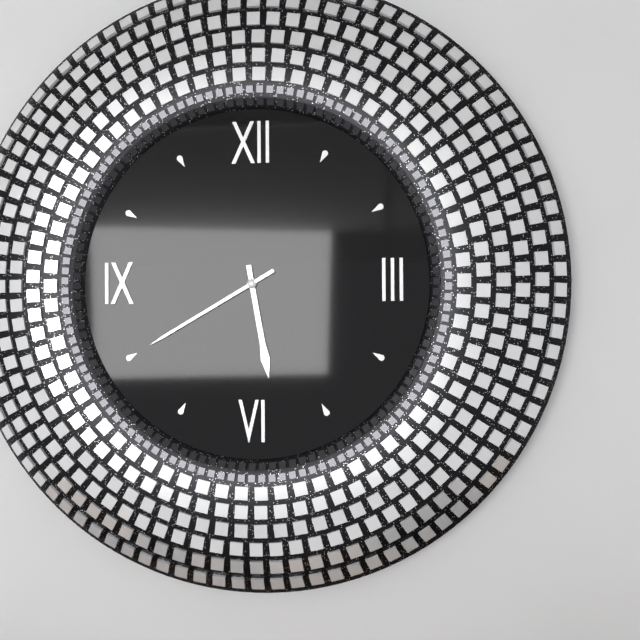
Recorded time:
{"hour": 5, "minute": 40}
